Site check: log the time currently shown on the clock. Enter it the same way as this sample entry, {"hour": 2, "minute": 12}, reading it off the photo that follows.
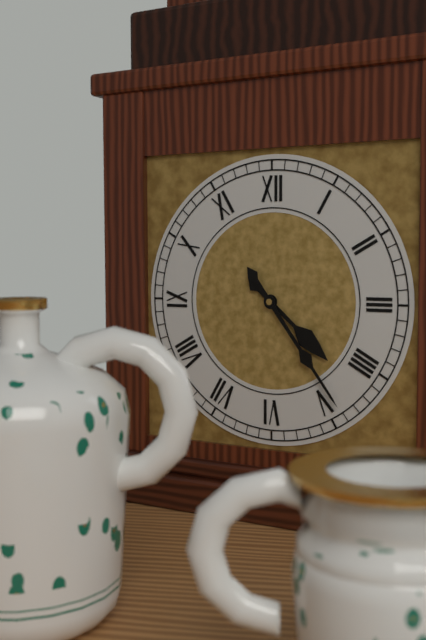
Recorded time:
{"hour": 4, "minute": 24}
